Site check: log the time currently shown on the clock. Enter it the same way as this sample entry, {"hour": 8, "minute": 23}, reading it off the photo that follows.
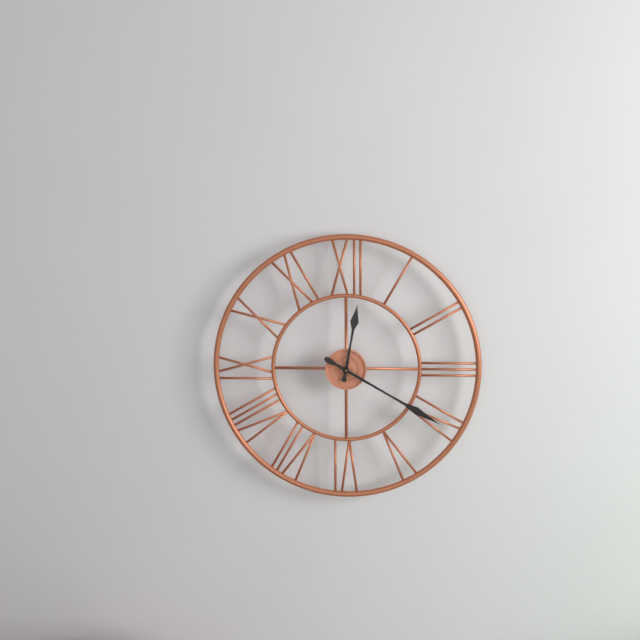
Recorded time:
{"hour": 12, "minute": 20}
